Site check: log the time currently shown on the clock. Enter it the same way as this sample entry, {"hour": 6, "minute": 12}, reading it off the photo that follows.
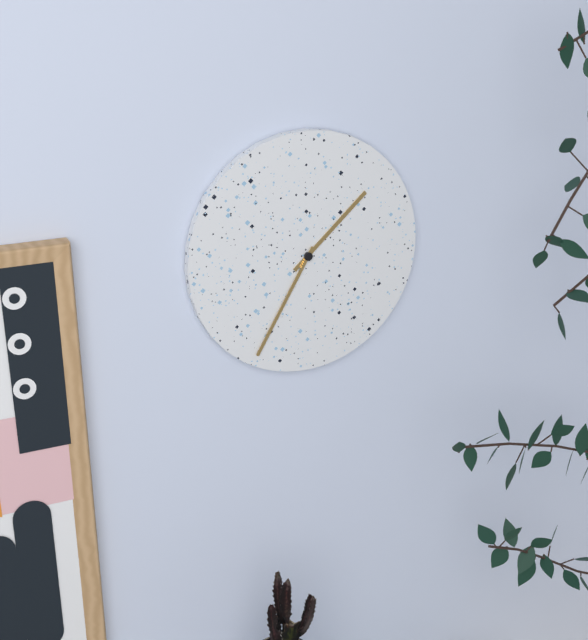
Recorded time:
{"hour": 1, "minute": 35}
